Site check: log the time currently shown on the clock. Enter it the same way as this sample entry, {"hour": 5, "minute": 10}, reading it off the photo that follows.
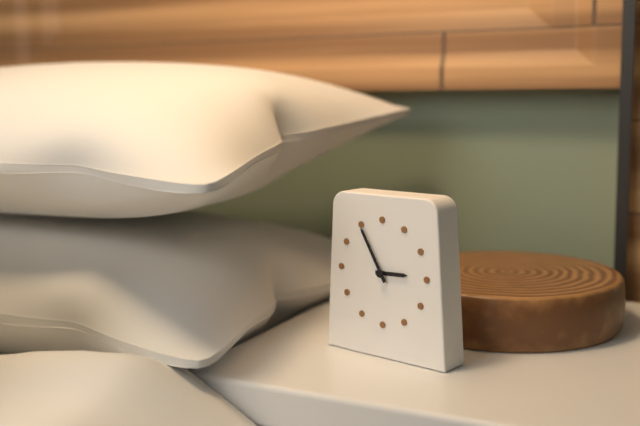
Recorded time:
{"hour": 2, "minute": 55}
